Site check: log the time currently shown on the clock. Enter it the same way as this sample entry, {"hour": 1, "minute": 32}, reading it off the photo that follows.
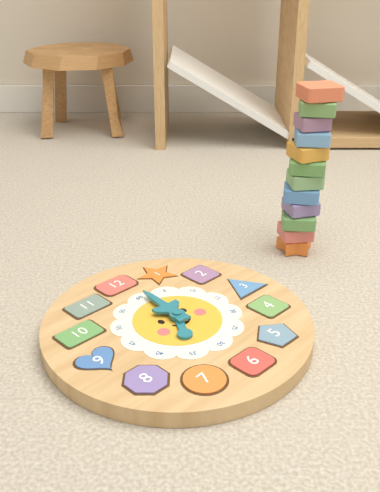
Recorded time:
{"hour": 7, "minute": 1}
